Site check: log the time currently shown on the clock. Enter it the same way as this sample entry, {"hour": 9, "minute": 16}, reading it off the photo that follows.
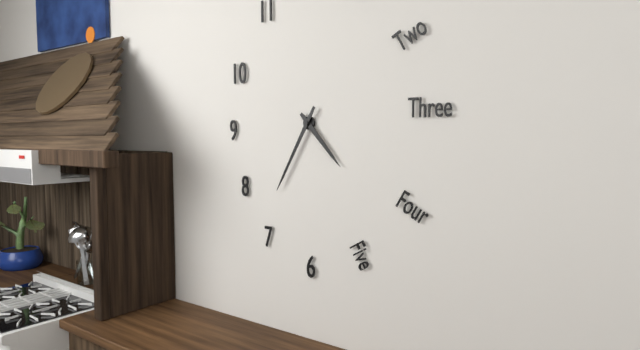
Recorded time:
{"hour": 4, "minute": 35}
